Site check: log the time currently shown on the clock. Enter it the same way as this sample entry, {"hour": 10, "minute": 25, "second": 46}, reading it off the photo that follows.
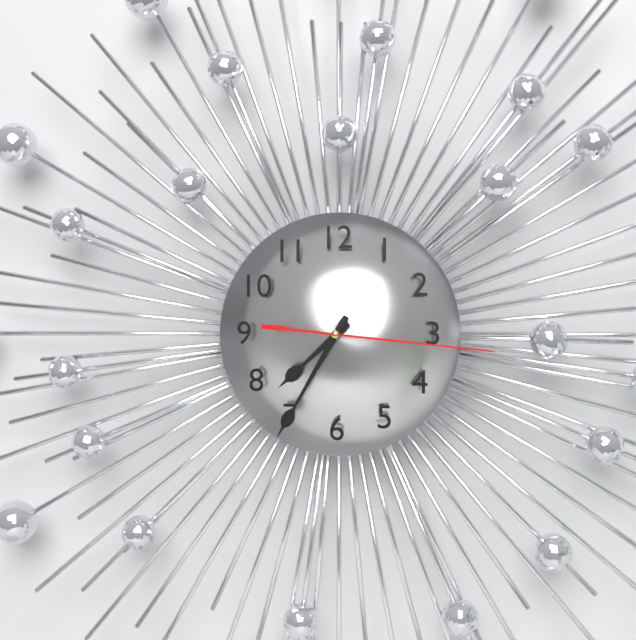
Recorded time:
{"hour": 7, "minute": 35, "second": 16}
